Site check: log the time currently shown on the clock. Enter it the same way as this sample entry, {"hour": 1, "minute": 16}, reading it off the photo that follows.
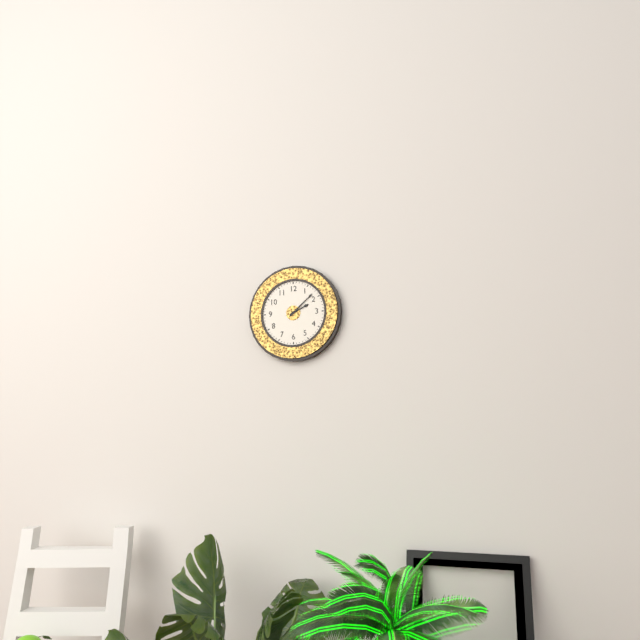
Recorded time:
{"hour": 2, "minute": 8}
